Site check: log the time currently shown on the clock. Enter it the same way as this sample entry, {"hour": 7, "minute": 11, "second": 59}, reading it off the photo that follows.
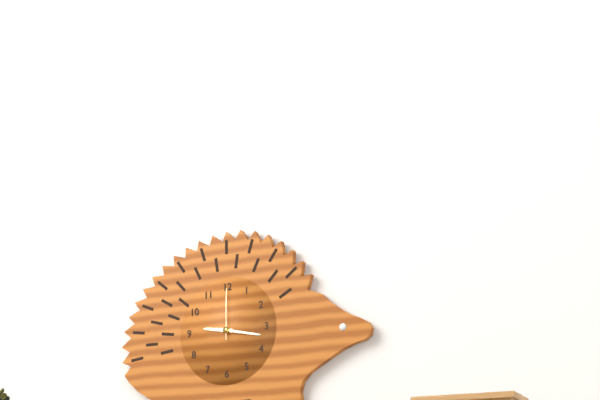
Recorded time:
{"hour": 9, "minute": 17, "second": 0}
